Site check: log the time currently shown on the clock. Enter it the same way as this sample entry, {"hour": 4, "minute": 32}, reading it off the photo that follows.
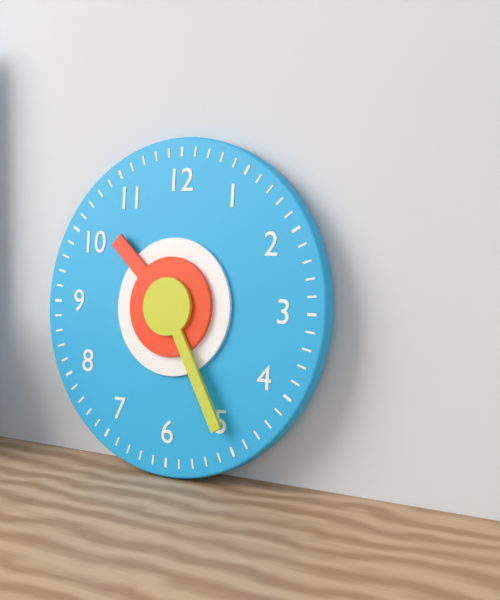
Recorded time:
{"hour": 10, "minute": 25}
